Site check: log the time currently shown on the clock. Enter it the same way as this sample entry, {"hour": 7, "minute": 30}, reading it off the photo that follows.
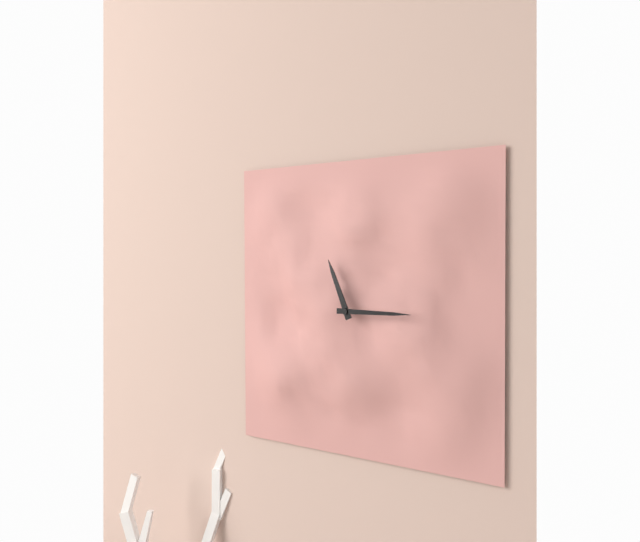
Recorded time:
{"hour": 11, "minute": 15}
